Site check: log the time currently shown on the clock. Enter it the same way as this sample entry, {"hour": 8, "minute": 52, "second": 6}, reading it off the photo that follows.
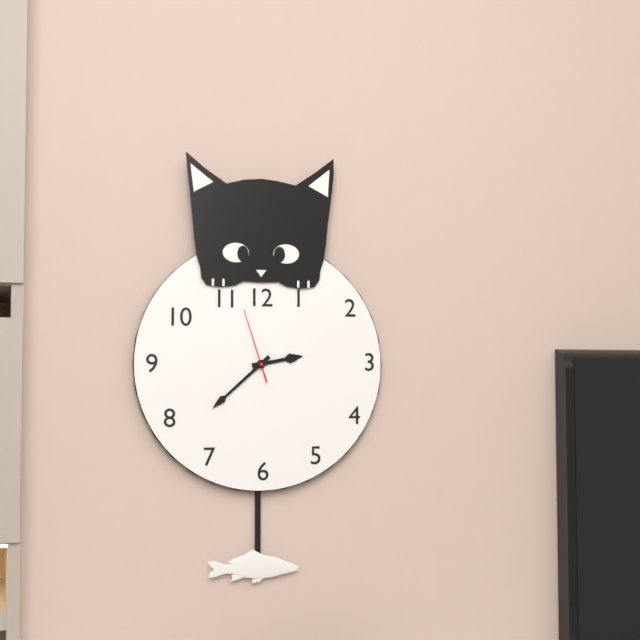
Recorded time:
{"hour": 2, "minute": 38, "second": 57}
